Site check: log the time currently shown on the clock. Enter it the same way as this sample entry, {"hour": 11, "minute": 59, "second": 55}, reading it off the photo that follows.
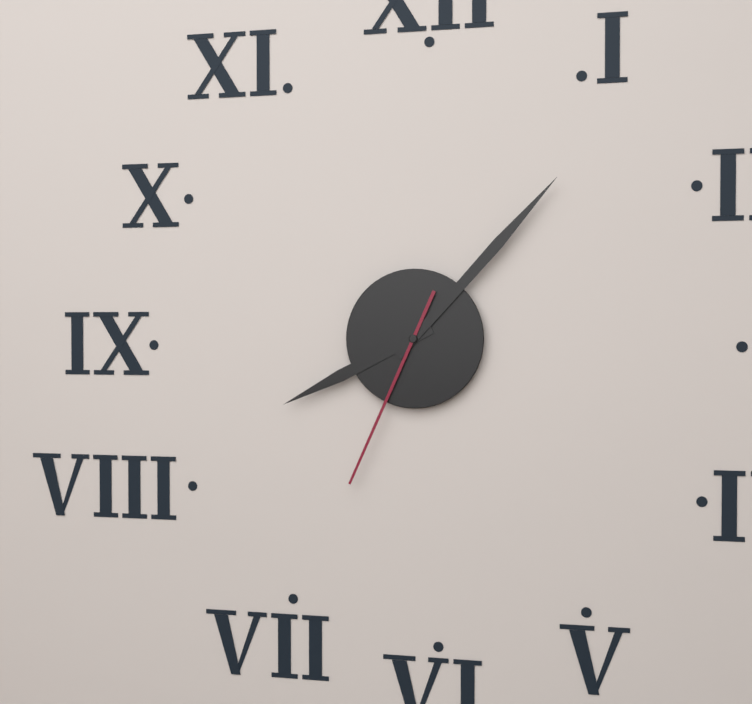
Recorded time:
{"hour": 8, "minute": 7, "second": 34}
